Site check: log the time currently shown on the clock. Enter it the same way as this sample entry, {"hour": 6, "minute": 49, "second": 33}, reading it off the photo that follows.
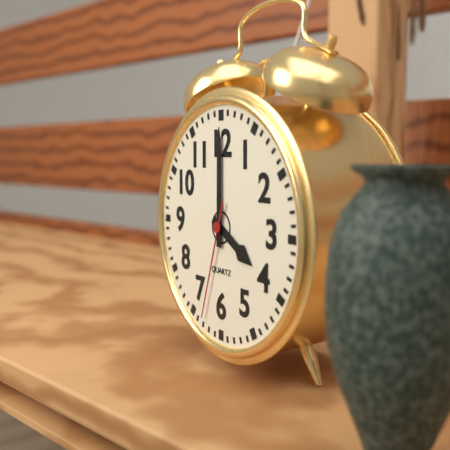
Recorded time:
{"hour": 4, "minute": 0, "second": 33}
